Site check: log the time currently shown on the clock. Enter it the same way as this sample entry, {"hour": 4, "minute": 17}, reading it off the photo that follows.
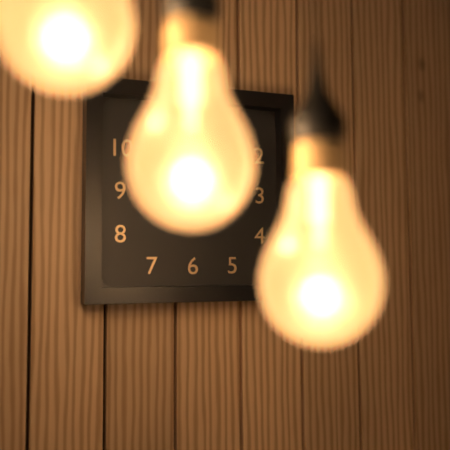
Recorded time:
{"hour": 2, "minute": 52}
